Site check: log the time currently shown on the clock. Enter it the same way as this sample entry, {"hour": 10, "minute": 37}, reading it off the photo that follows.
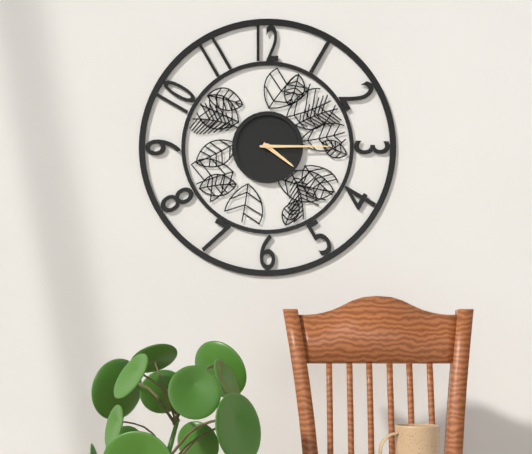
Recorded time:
{"hour": 4, "minute": 15}
